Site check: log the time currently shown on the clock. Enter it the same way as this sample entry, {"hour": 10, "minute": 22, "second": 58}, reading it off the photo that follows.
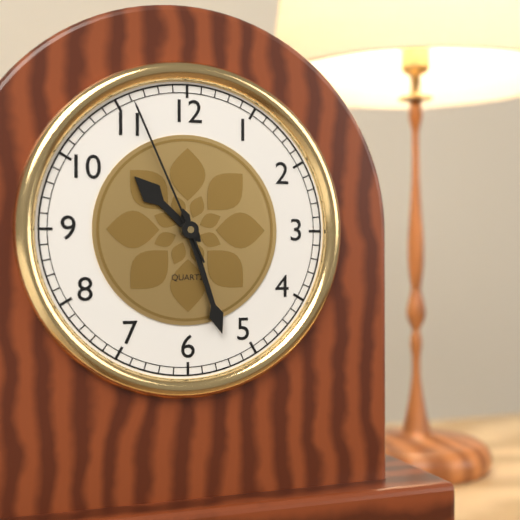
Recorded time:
{"hour": 10, "minute": 27, "second": 56}
